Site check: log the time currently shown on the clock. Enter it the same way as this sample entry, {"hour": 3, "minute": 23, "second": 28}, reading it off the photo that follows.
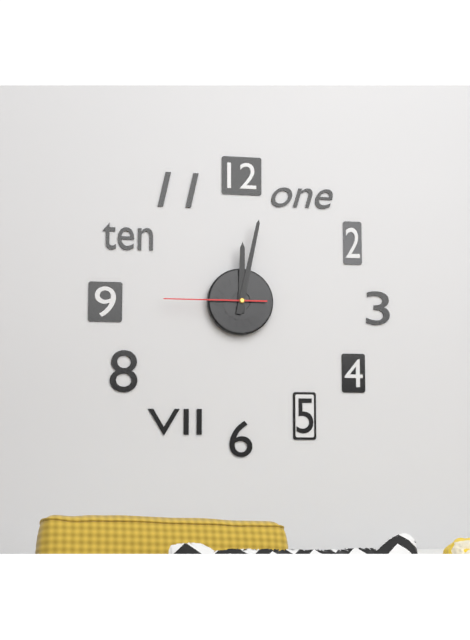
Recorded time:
{"hour": 12, "minute": 2, "second": 45}
